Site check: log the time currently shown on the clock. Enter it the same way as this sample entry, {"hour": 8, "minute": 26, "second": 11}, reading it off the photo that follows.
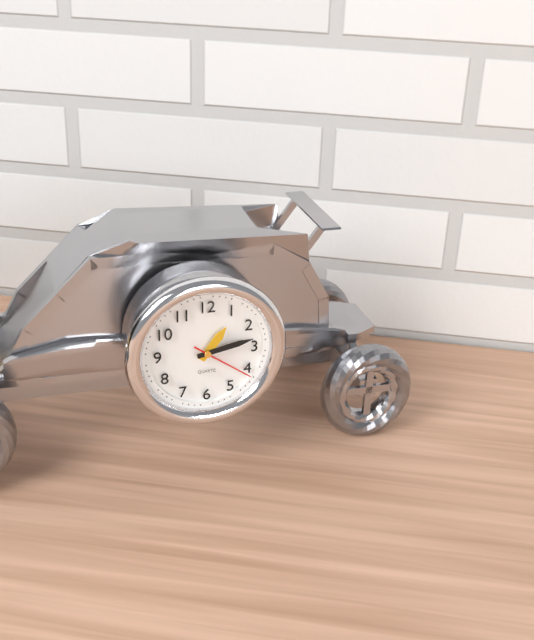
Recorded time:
{"hour": 1, "minute": 13, "second": 21}
